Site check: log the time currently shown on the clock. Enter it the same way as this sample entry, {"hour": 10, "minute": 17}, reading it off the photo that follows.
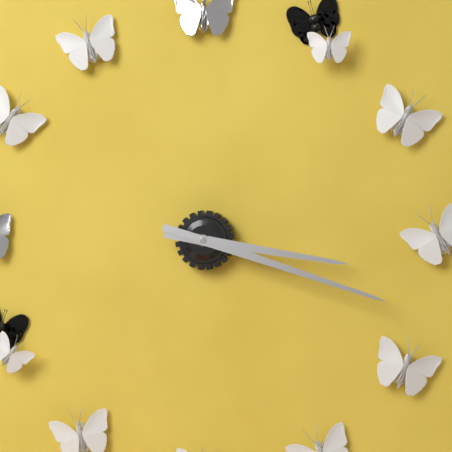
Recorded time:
{"hour": 3, "minute": 18}
